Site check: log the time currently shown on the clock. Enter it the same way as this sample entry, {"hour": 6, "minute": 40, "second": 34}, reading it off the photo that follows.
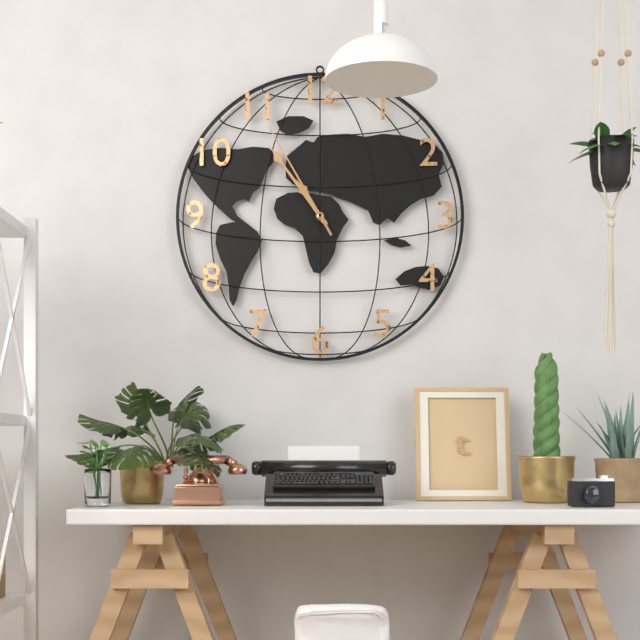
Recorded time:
{"hour": 10, "minute": 54, "second": 55}
